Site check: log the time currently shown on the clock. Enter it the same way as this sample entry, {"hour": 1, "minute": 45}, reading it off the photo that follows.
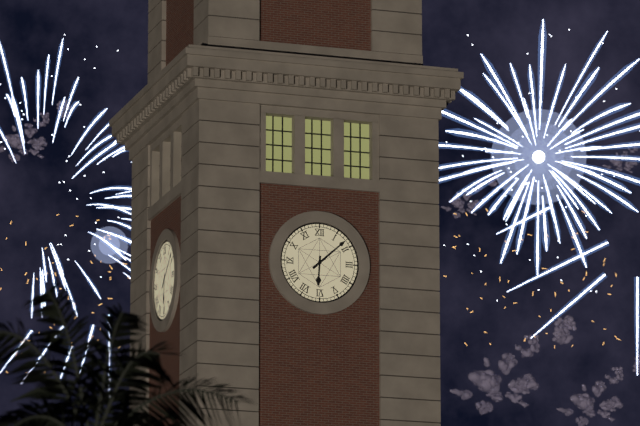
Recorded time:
{"hour": 6, "minute": 8}
